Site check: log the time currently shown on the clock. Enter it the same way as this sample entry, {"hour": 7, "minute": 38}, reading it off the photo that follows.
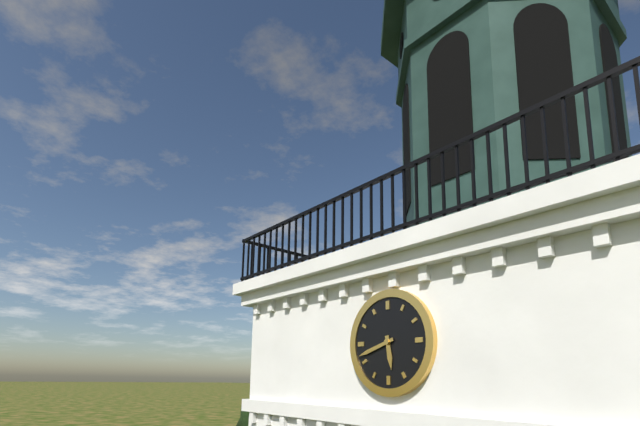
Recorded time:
{"hour": 5, "minute": 42}
